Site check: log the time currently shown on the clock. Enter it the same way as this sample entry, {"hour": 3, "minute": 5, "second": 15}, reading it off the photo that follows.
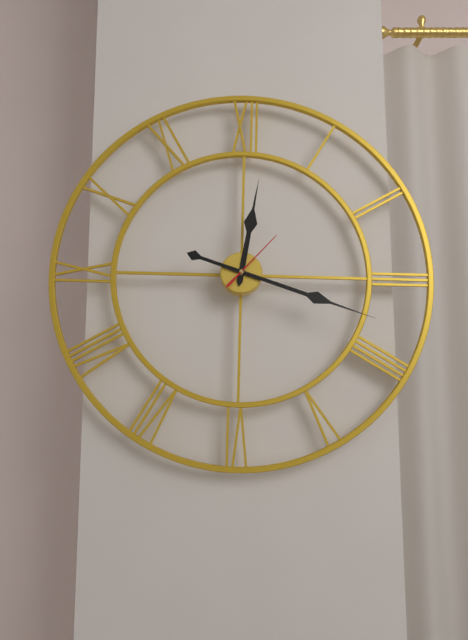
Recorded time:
{"hour": 12, "minute": 18, "second": 7}
